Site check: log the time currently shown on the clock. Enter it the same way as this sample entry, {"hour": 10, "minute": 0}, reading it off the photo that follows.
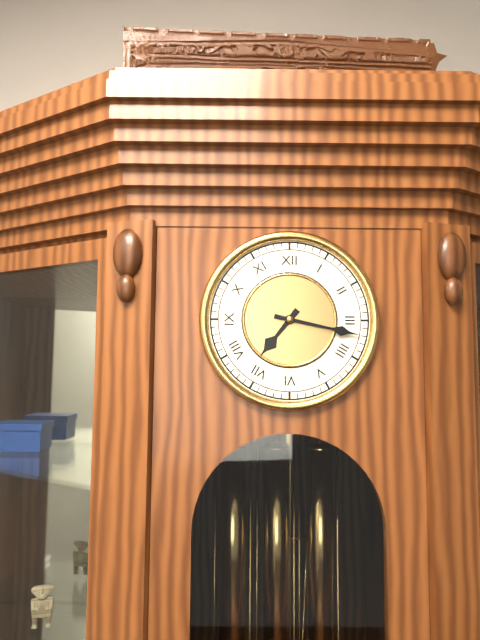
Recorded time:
{"hour": 7, "minute": 17}
